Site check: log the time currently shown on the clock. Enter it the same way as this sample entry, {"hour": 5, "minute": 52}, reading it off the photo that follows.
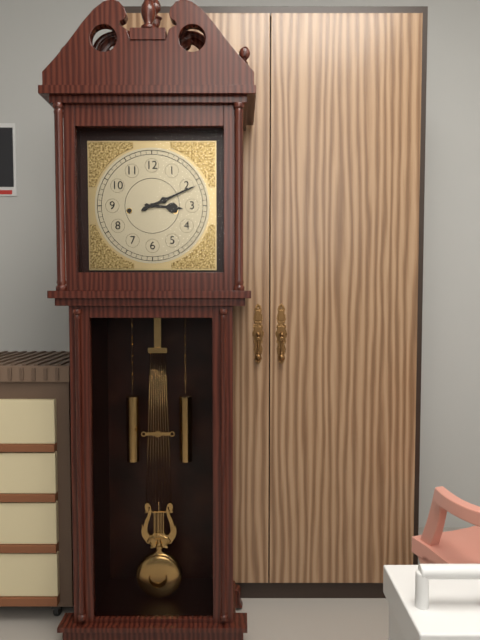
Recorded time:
{"hour": 3, "minute": 11}
